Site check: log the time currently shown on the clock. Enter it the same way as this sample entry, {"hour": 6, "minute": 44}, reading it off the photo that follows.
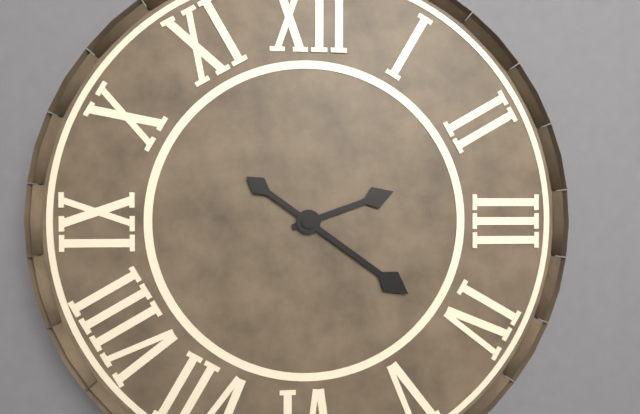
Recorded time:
{"hour": 2, "minute": 21}
